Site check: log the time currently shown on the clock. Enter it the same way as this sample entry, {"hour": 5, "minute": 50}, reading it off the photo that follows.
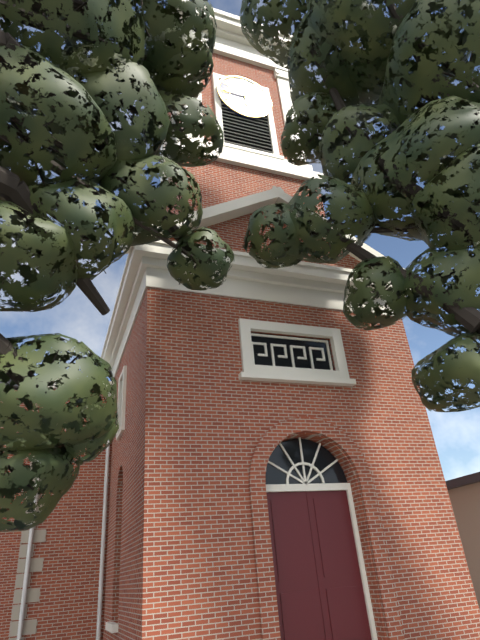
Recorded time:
{"hour": 5, "minute": 45}
